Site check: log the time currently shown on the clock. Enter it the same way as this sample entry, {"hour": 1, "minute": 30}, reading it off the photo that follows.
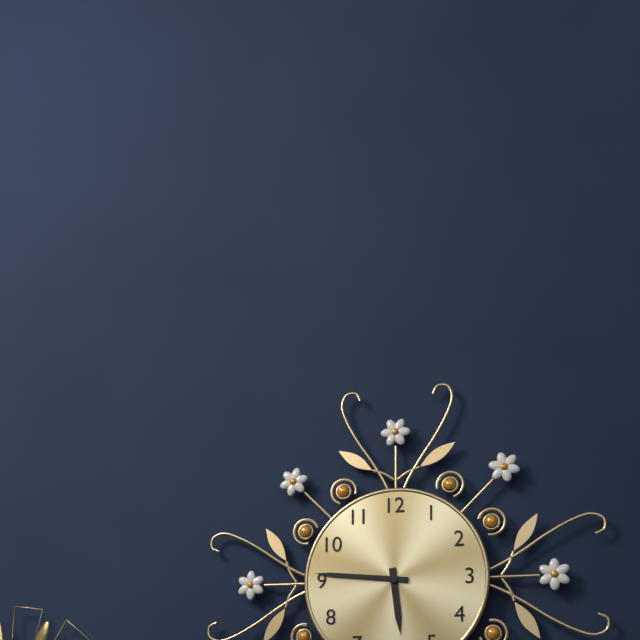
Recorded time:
{"hour": 5, "minute": 46}
